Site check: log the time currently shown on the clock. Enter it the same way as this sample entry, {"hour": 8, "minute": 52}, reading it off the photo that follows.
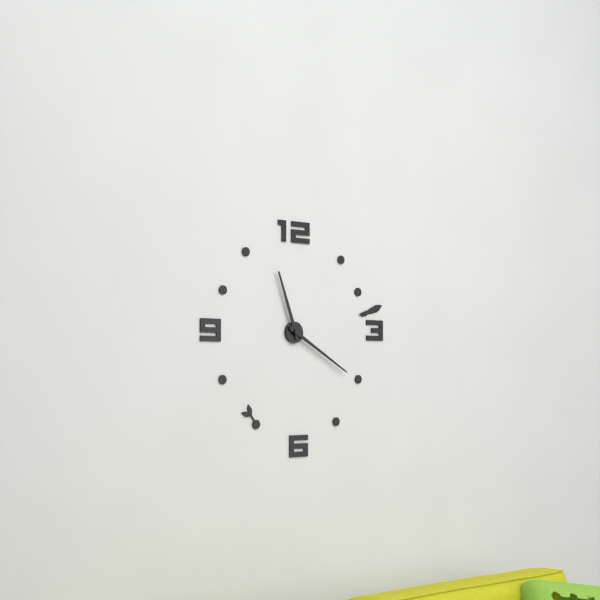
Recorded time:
{"hour": 11, "minute": 20}
